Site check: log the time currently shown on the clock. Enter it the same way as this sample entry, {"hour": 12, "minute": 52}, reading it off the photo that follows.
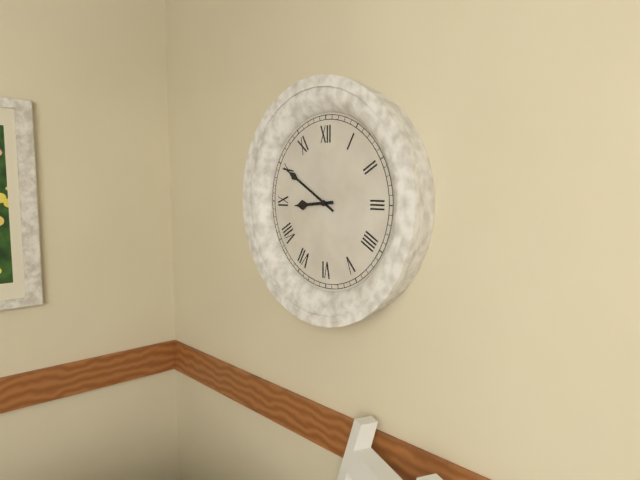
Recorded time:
{"hour": 8, "minute": 50}
